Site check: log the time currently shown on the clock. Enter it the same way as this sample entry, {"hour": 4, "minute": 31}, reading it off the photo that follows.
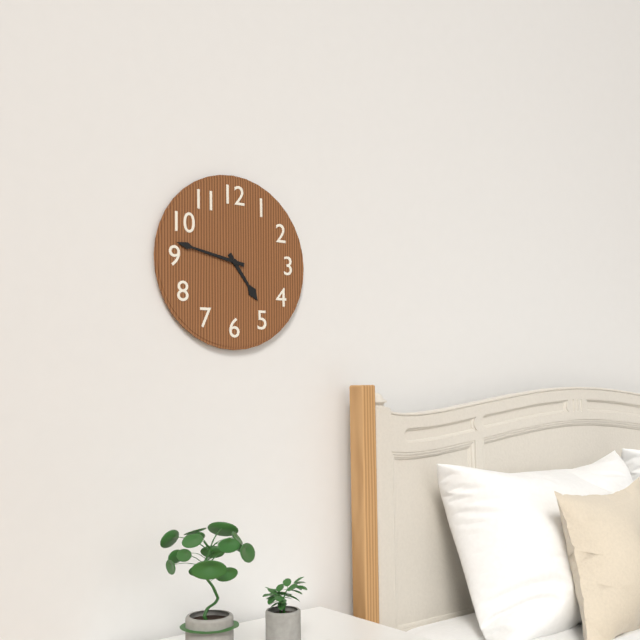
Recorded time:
{"hour": 4, "minute": 47}
